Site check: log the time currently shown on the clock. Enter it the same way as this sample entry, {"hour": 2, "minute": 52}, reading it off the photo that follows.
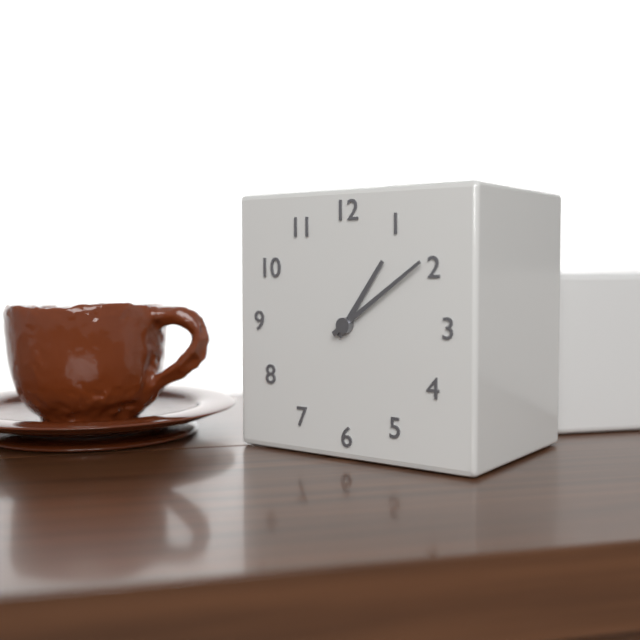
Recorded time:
{"hour": 1, "minute": 9}
